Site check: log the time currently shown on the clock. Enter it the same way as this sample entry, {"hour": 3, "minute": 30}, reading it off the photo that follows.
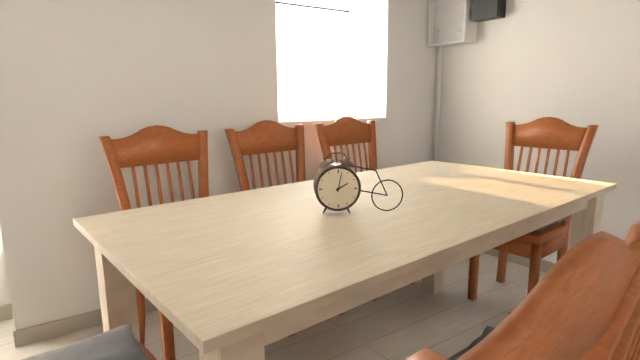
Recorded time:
{"hour": 2, "minute": 2}
